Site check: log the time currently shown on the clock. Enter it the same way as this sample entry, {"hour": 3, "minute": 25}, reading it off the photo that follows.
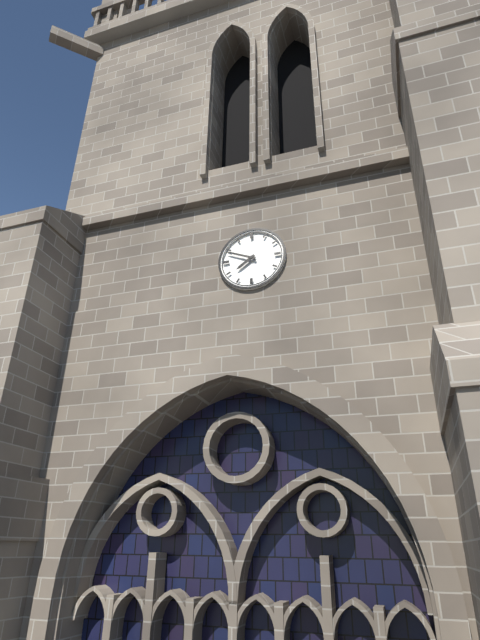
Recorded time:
{"hour": 7, "minute": 49}
